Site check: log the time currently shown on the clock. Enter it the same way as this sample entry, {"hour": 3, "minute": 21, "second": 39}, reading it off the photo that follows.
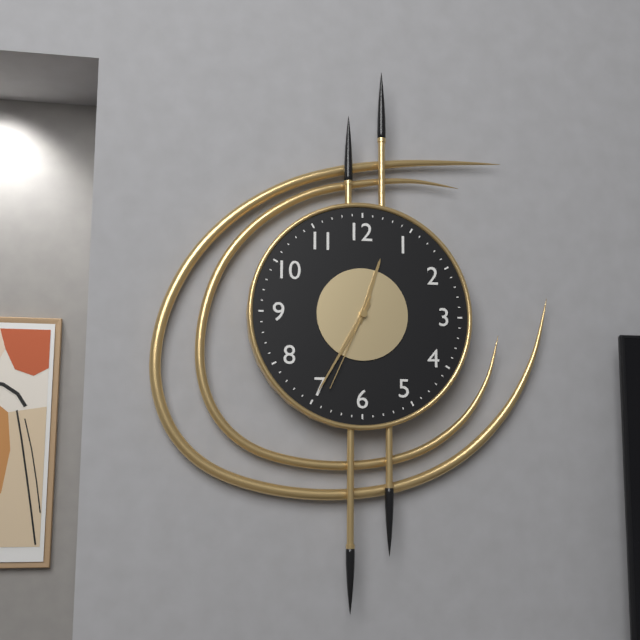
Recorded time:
{"hour": 12, "minute": 35, "second": 34}
